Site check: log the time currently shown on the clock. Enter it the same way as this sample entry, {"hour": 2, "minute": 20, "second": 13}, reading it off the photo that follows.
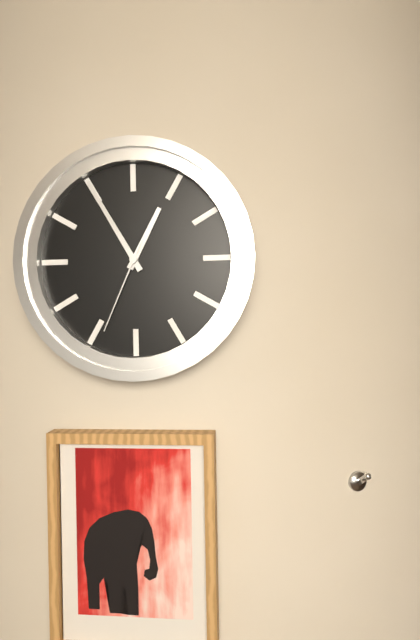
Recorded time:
{"hour": 12, "minute": 55, "second": 34}
